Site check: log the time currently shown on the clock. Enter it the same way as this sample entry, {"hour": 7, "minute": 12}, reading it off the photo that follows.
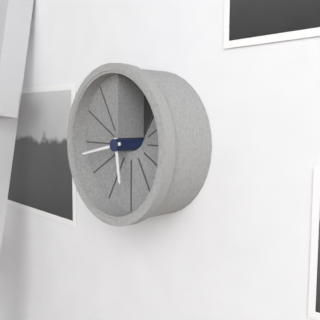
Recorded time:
{"hour": 5, "minute": 43}
